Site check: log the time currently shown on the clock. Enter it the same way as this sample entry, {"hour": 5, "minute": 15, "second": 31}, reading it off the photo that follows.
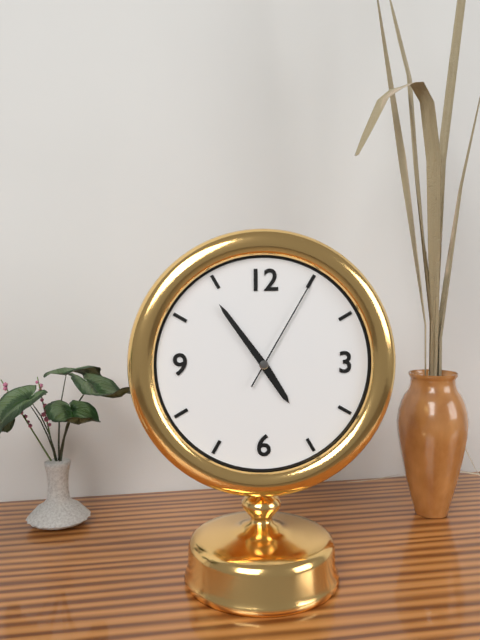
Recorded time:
{"hour": 4, "minute": 54, "second": 5}
